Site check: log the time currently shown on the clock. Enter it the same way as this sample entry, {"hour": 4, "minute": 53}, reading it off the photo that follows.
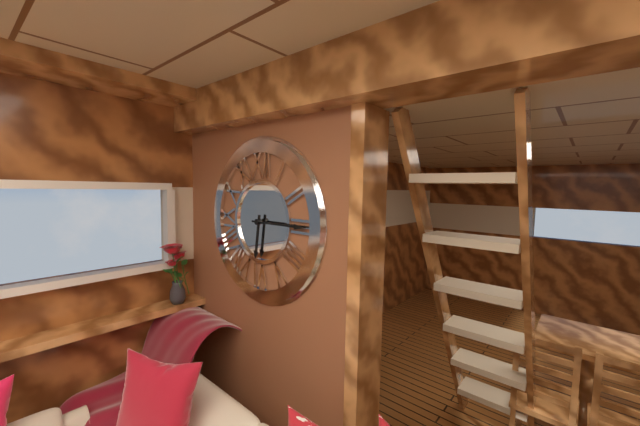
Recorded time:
{"hour": 6, "minute": 15}
